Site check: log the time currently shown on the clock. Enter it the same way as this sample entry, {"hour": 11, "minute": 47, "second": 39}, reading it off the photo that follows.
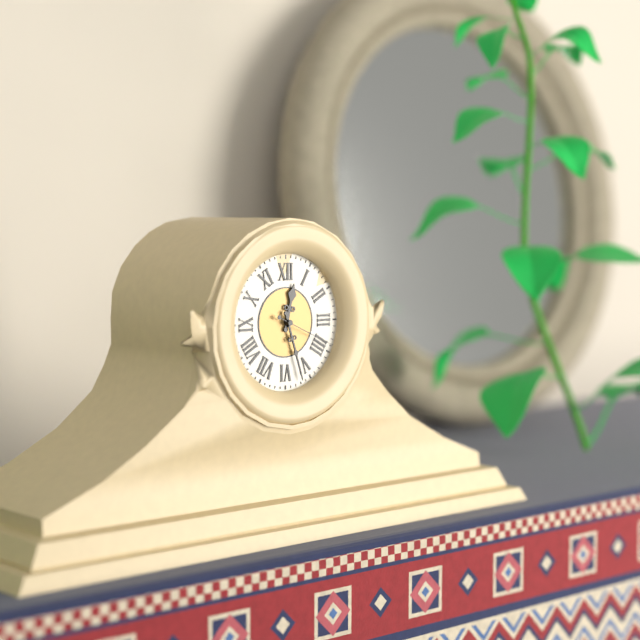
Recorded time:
{"hour": 12, "minute": 27, "second": 19}
